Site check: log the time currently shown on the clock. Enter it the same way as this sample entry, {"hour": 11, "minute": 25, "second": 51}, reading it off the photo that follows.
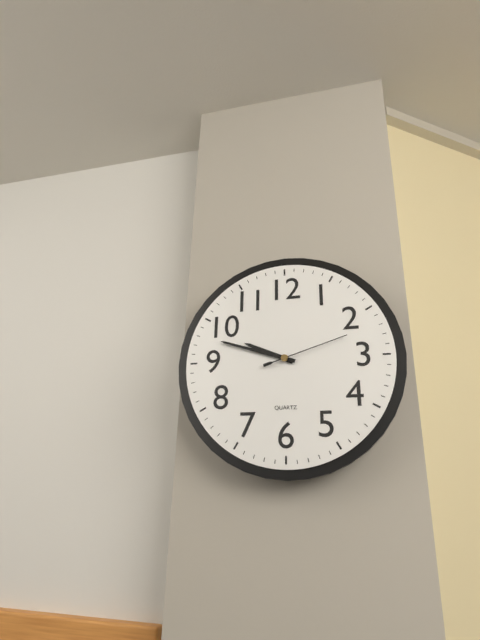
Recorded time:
{"hour": 9, "minute": 48, "second": 12}
